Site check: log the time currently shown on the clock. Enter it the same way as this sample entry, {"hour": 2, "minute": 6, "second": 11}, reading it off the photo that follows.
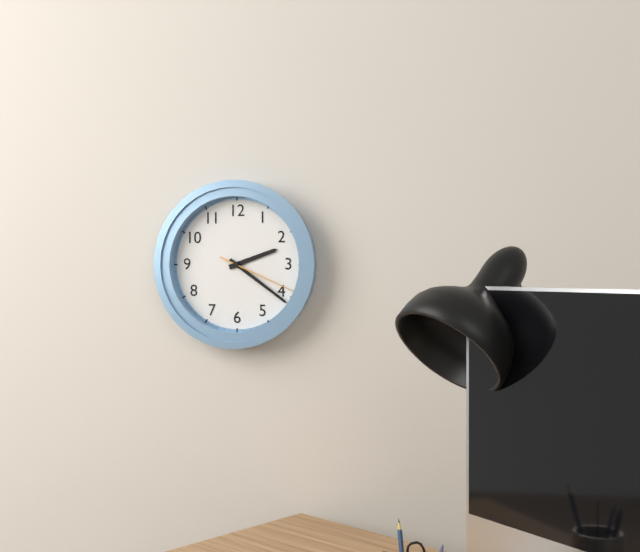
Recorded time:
{"hour": 2, "minute": 21, "second": 19}
